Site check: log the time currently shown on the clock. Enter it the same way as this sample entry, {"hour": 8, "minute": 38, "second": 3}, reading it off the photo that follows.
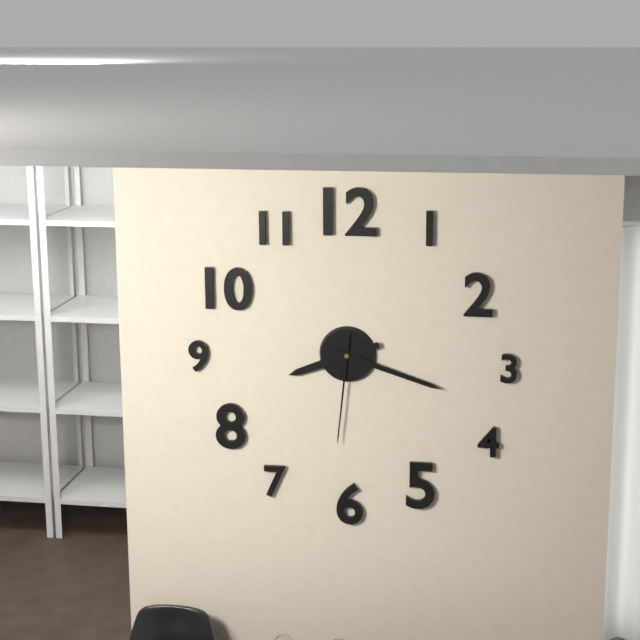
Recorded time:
{"hour": 8, "minute": 18, "second": 31}
